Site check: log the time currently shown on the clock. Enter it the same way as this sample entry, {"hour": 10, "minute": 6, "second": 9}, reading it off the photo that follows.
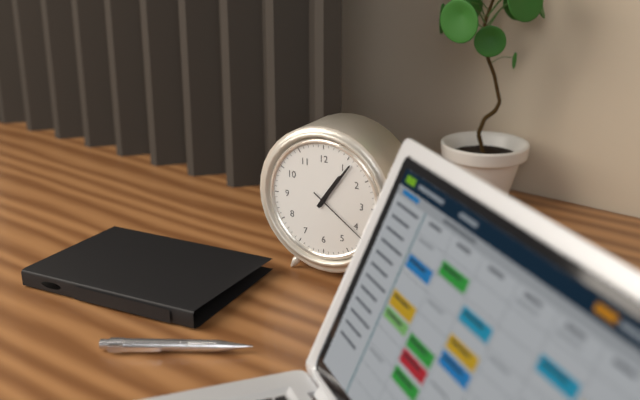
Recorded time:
{"hour": 1, "minute": 6, "second": 21}
